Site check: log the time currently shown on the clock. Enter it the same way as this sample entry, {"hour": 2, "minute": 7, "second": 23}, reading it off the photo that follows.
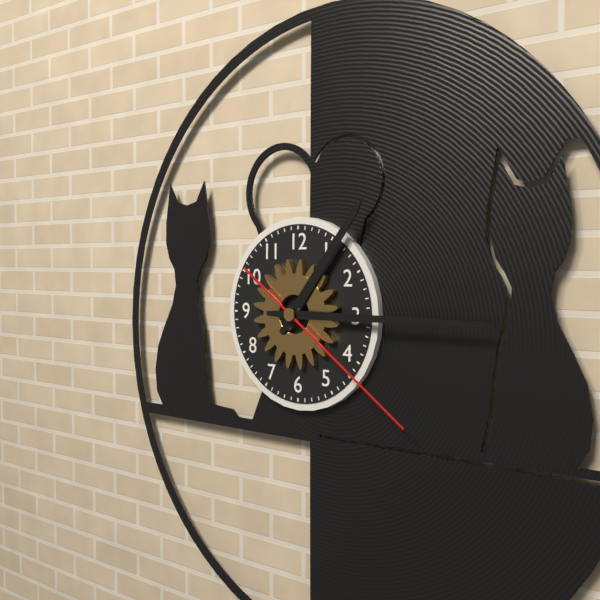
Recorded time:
{"hour": 1, "minute": 15, "second": 21}
